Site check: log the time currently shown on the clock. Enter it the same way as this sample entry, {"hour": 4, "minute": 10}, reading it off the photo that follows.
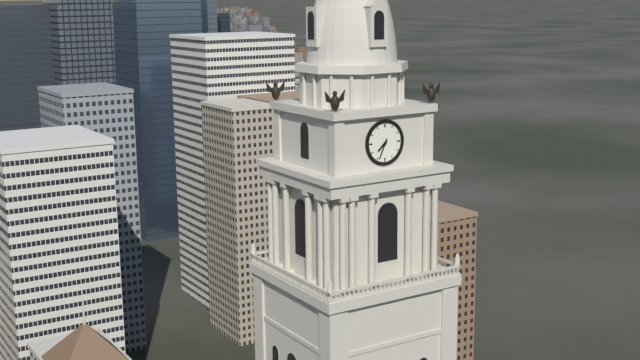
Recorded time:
{"hour": 7, "minute": 34}
